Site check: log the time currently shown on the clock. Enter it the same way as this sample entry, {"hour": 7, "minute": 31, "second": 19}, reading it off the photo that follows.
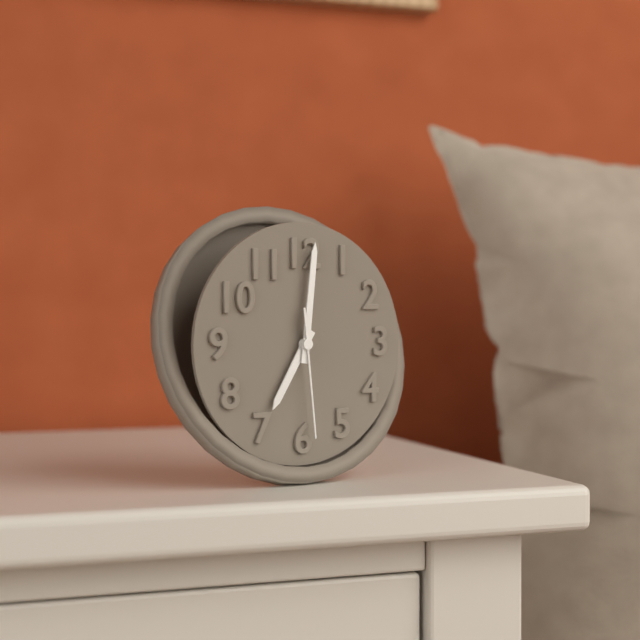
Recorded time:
{"hour": 7, "minute": 1, "second": 29}
